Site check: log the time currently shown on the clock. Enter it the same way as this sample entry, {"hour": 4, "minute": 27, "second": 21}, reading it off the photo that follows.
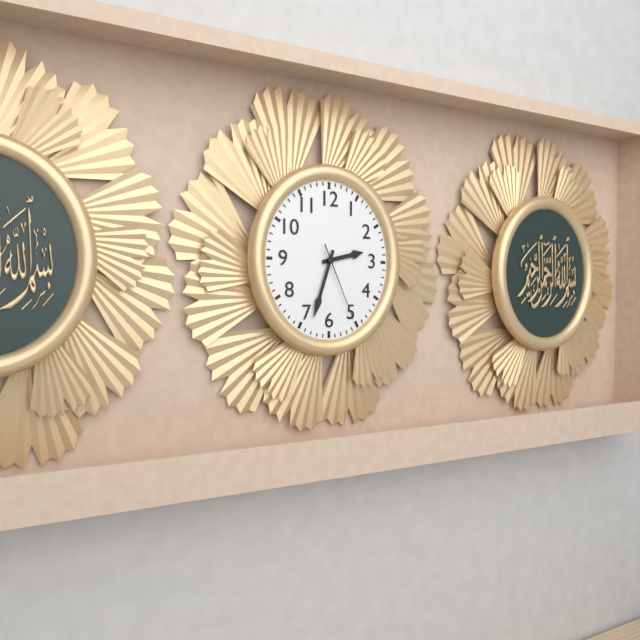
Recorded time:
{"hour": 2, "minute": 33, "second": 26}
